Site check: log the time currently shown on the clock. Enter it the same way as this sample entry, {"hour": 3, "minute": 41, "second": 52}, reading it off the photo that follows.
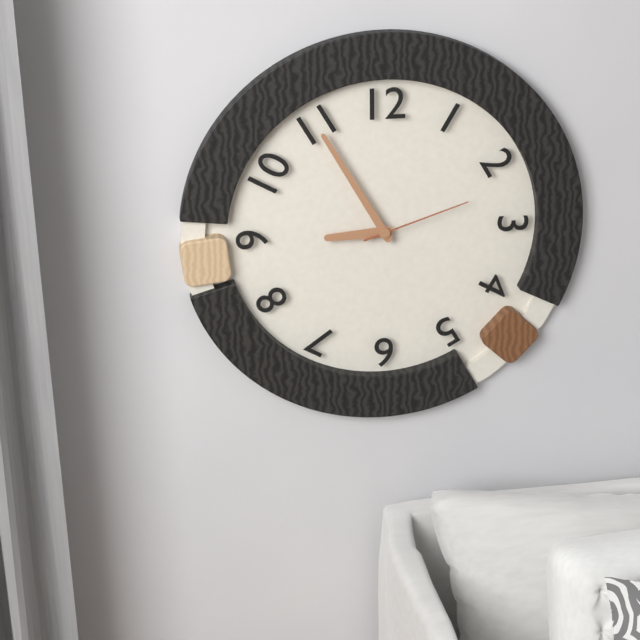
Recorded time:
{"hour": 8, "minute": 55, "second": 12}
